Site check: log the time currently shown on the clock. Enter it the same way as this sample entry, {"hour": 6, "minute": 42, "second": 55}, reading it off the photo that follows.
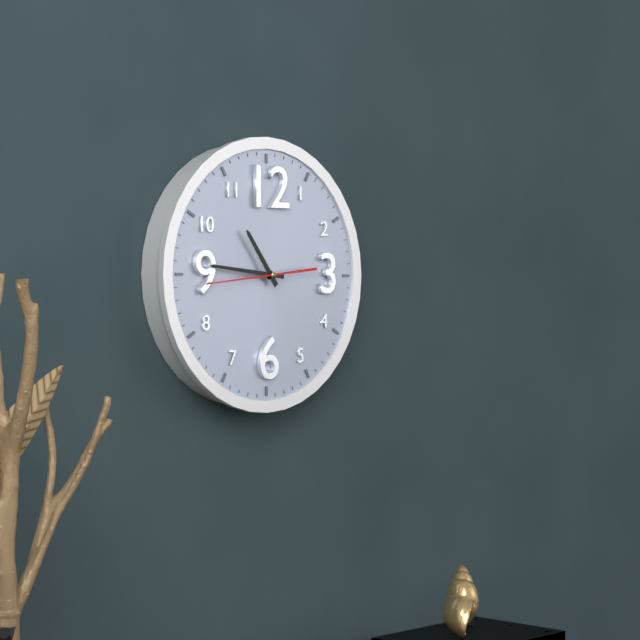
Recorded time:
{"hour": 10, "minute": 46, "second": 44}
